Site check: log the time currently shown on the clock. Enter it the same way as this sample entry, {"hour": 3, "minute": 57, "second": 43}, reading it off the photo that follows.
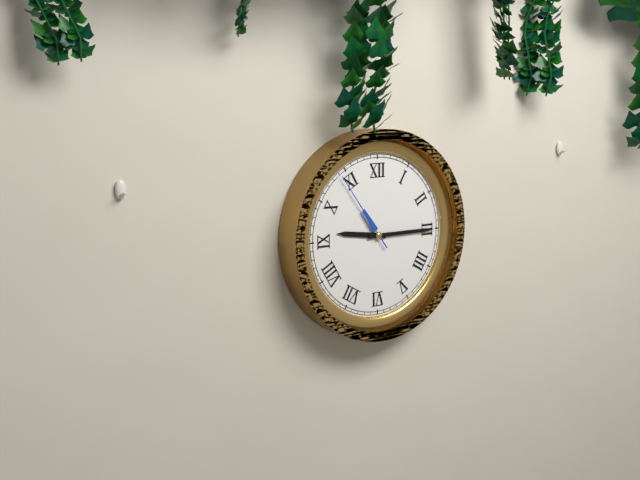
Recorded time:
{"hour": 9, "minute": 15, "second": 54}
